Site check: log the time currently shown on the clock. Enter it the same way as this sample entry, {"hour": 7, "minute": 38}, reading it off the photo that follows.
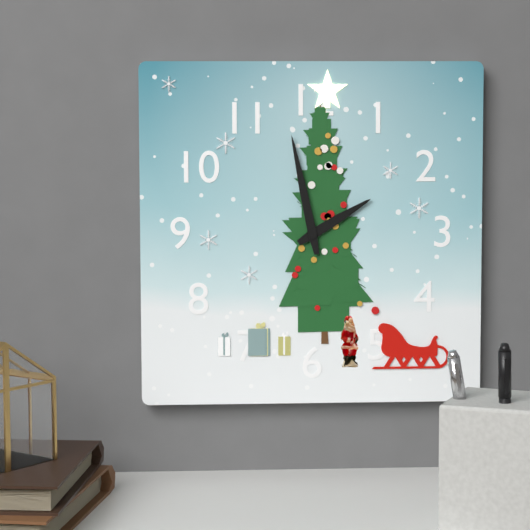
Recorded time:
{"hour": 1, "minute": 58}
